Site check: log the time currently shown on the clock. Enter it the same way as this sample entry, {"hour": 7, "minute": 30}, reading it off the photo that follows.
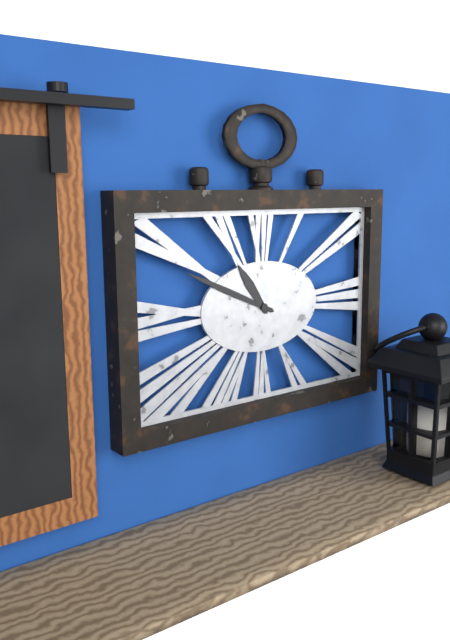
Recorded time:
{"hour": 10, "minute": 49}
